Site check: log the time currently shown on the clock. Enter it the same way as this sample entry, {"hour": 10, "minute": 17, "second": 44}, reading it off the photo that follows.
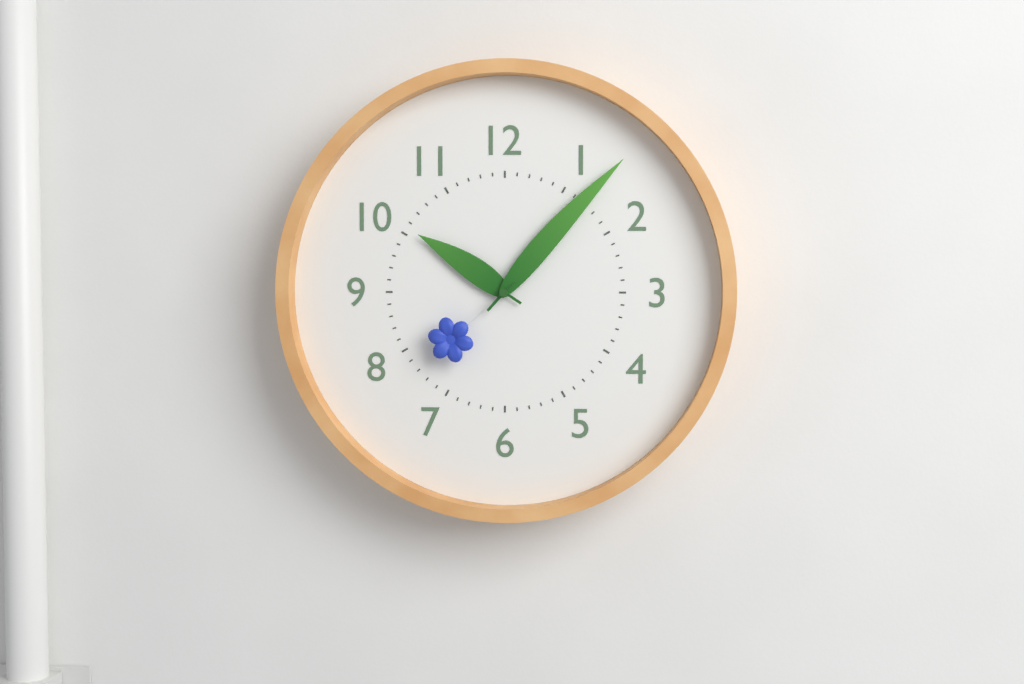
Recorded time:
{"hour": 10, "minute": 7, "second": 38}
